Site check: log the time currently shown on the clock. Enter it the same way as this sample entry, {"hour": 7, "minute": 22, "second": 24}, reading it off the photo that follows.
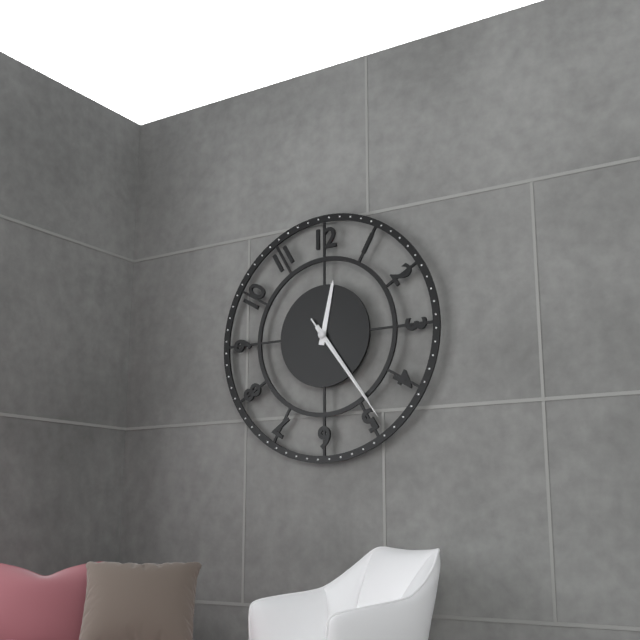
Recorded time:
{"hour": 12, "minute": 24, "second": 24}
